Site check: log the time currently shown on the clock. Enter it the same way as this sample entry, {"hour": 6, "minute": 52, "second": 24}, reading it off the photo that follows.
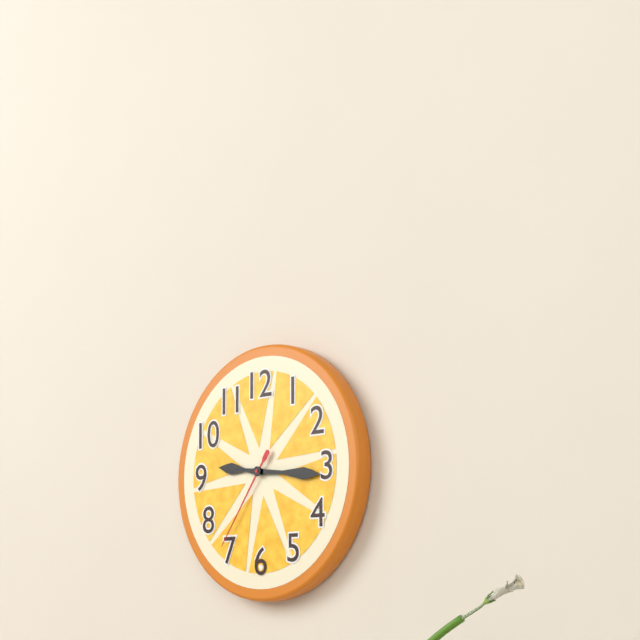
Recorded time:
{"hour": 9, "minute": 16, "second": 36}
